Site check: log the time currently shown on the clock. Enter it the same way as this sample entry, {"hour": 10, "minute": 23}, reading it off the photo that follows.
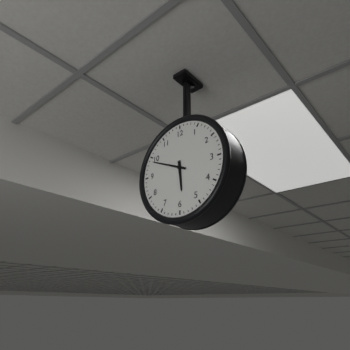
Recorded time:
{"hour": 5, "minute": 49}
